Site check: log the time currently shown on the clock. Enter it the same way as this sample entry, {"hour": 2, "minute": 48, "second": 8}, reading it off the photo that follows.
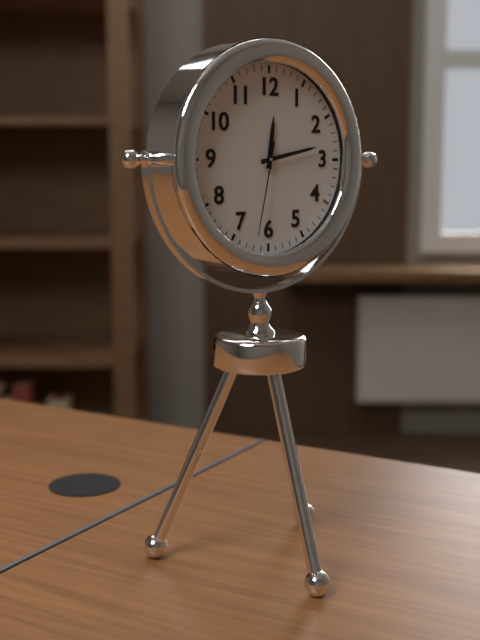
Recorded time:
{"hour": 12, "minute": 13, "second": 32}
